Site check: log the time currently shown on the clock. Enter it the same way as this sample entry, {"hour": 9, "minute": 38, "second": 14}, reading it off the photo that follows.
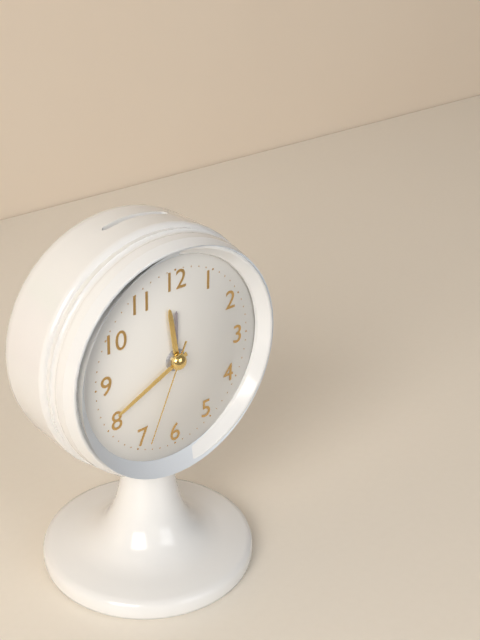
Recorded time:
{"hour": 11, "minute": 41, "second": 34}
